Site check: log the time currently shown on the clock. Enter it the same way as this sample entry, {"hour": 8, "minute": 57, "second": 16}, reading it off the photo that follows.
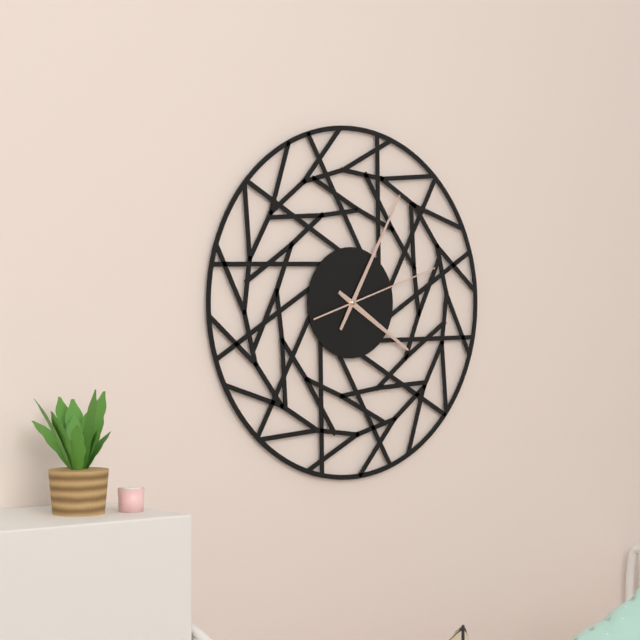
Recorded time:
{"hour": 4, "minute": 5, "second": 12}
